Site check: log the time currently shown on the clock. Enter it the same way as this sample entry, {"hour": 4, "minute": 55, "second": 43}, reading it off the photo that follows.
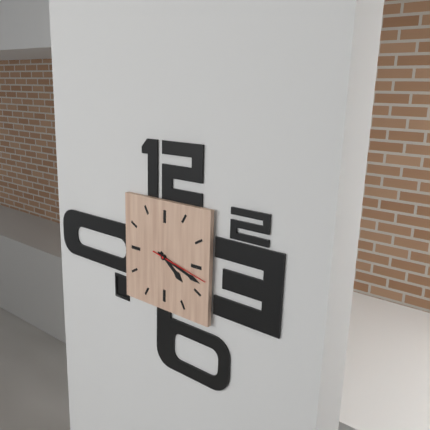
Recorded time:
{"hour": 4, "minute": 18, "second": 17}
